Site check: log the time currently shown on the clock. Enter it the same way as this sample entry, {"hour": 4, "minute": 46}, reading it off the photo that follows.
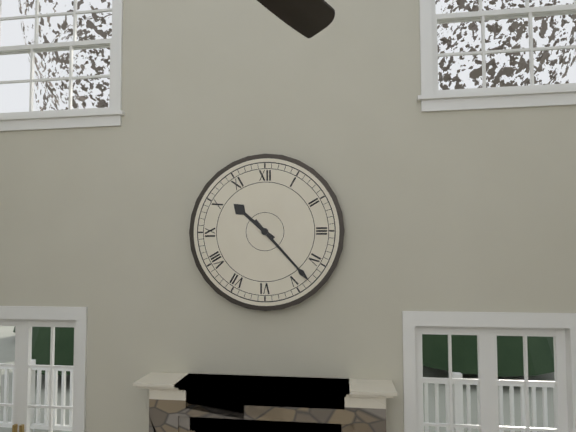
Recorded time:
{"hour": 10, "minute": 23}
